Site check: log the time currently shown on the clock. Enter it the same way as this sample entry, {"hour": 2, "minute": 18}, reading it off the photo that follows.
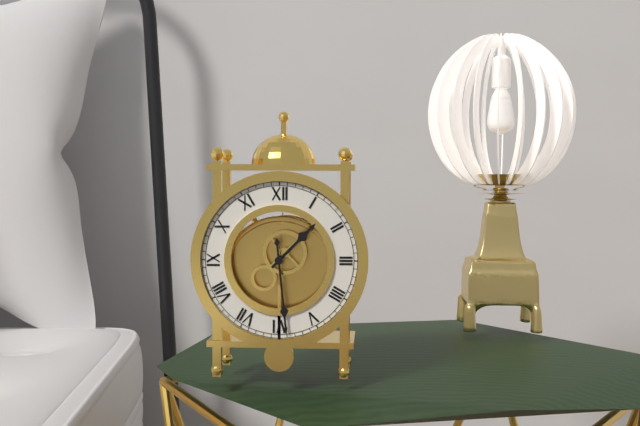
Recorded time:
{"hour": 1, "minute": 29}
